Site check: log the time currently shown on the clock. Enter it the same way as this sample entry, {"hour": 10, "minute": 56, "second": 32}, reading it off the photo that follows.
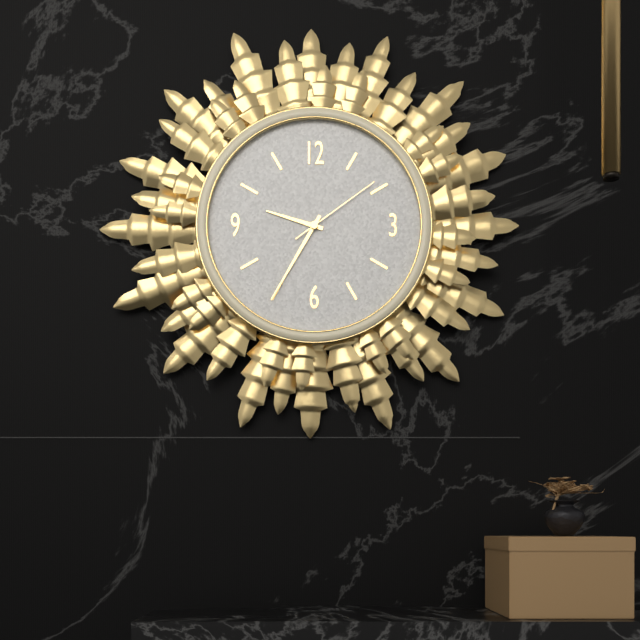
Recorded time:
{"hour": 9, "minute": 35, "second": 9}
